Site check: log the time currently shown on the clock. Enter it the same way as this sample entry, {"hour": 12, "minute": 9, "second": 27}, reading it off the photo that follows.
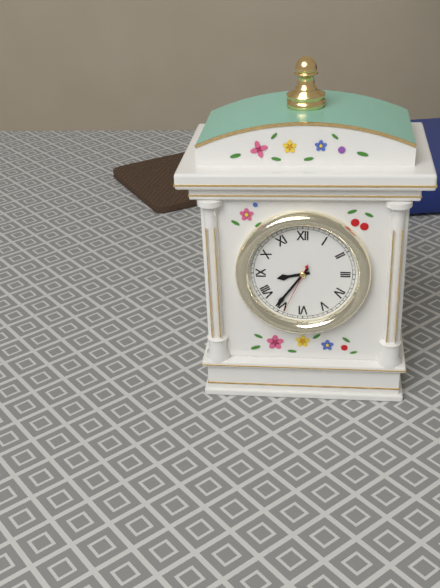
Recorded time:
{"hour": 8, "minute": 36, "second": 34}
